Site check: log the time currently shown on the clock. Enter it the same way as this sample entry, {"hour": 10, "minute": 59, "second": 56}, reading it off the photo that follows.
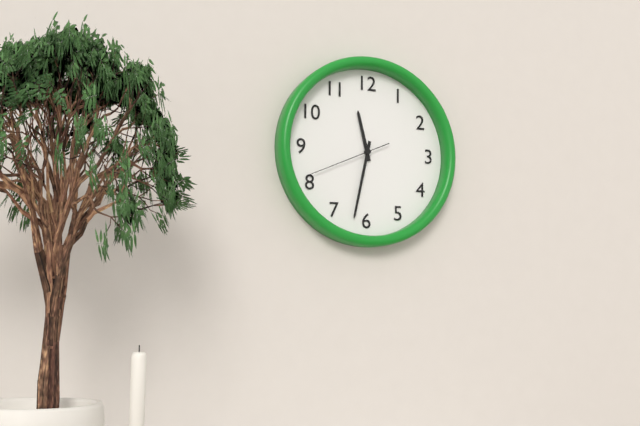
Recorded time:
{"hour": 11, "minute": 32, "second": 41}
